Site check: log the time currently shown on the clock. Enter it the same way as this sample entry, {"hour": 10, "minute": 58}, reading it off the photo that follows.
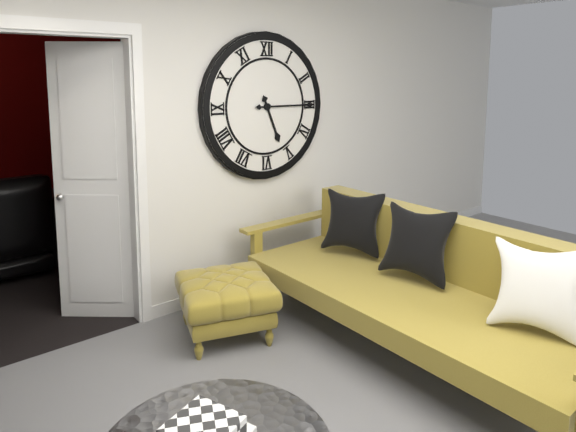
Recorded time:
{"hour": 5, "minute": 15}
